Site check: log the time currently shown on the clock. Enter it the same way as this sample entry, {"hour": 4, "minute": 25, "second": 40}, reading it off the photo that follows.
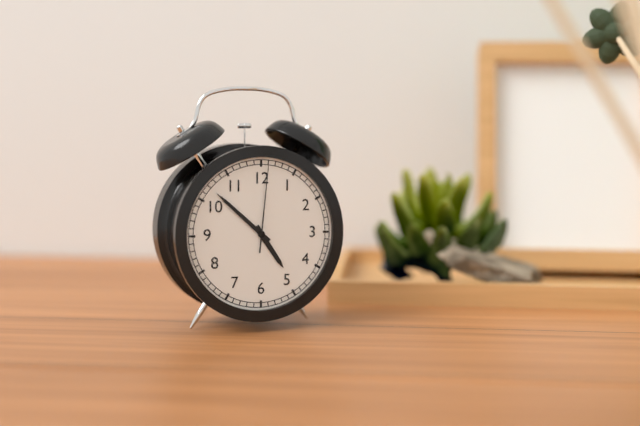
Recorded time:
{"hour": 4, "minute": 52, "second": 1}
